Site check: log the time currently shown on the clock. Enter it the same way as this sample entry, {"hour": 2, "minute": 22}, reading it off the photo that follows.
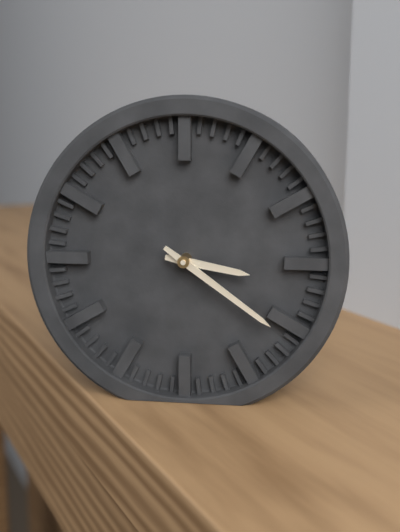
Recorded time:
{"hour": 3, "minute": 21}
